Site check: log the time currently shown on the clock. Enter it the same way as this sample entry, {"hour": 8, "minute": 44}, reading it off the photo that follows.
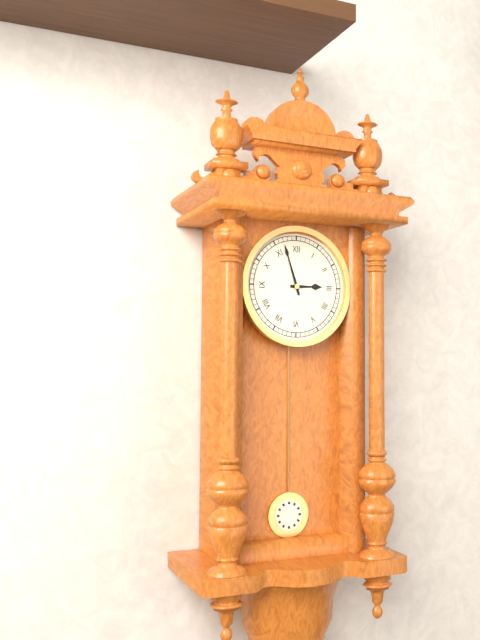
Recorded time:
{"hour": 2, "minute": 57}
